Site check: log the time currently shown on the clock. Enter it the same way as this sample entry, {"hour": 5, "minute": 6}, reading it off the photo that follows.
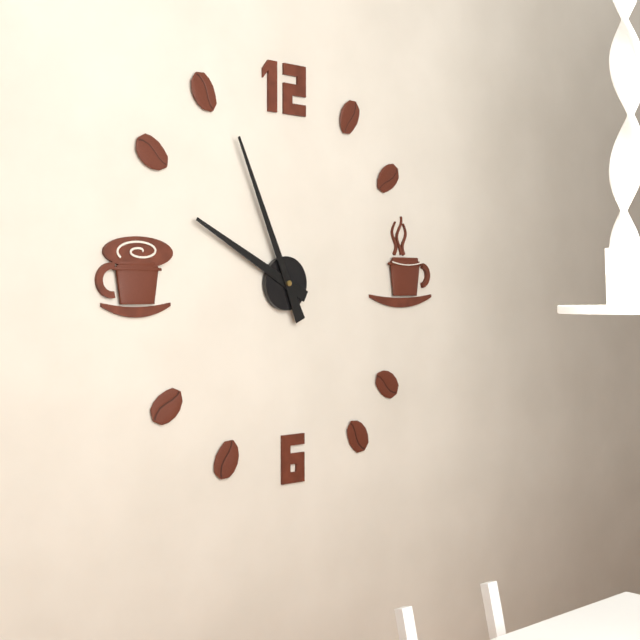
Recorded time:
{"hour": 9, "minute": 56}
